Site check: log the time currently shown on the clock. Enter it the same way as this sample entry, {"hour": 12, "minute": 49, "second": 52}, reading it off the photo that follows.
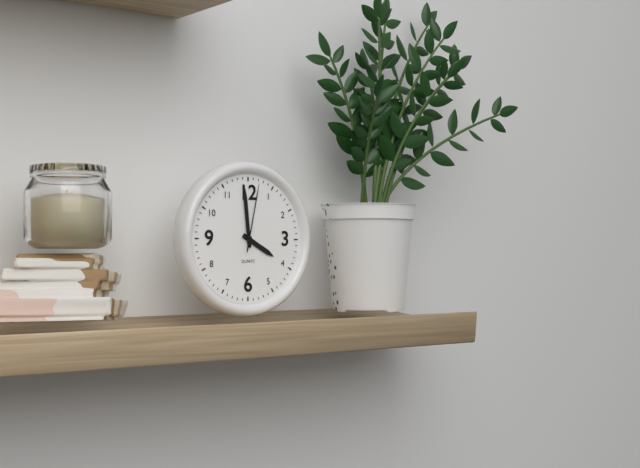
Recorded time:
{"hour": 3, "minute": 59, "second": 2}
